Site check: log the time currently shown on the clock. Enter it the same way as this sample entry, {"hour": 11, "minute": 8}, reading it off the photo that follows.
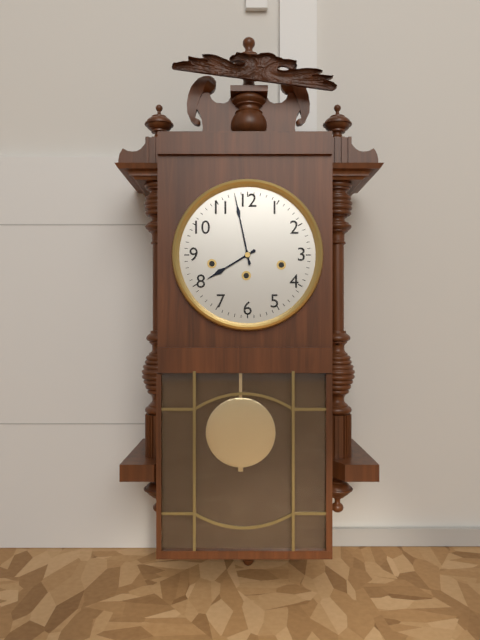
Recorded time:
{"hour": 7, "minute": 58}
